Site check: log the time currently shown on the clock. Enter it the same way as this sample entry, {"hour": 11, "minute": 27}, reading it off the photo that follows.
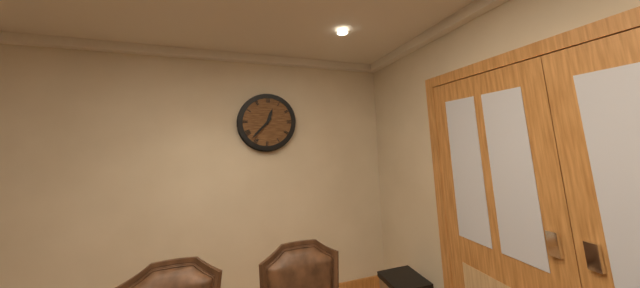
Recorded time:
{"hour": 12, "minute": 37}
